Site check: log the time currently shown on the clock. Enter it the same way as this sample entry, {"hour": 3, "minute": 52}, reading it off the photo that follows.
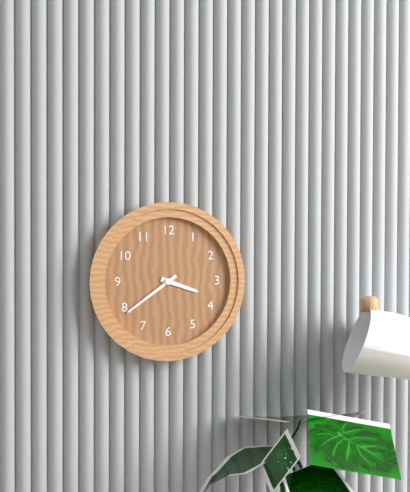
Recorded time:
{"hour": 3, "minute": 39}
